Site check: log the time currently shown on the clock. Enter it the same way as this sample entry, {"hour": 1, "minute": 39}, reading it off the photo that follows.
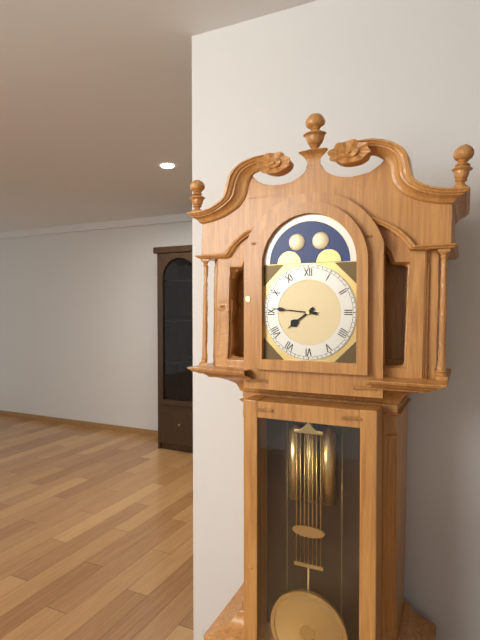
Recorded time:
{"hour": 7, "minute": 46}
